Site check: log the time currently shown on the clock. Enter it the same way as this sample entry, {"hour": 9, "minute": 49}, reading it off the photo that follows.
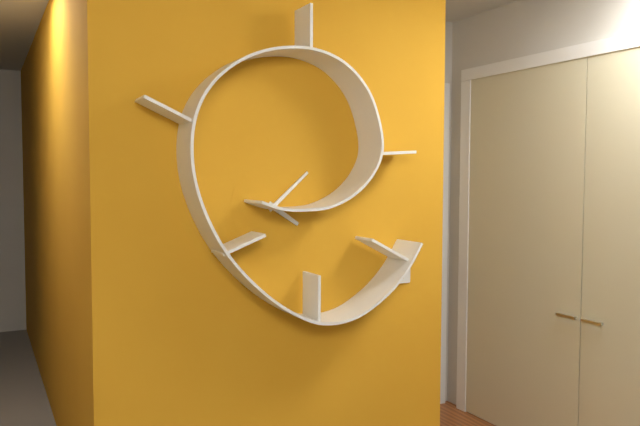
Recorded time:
{"hour": 4, "minute": 8}
